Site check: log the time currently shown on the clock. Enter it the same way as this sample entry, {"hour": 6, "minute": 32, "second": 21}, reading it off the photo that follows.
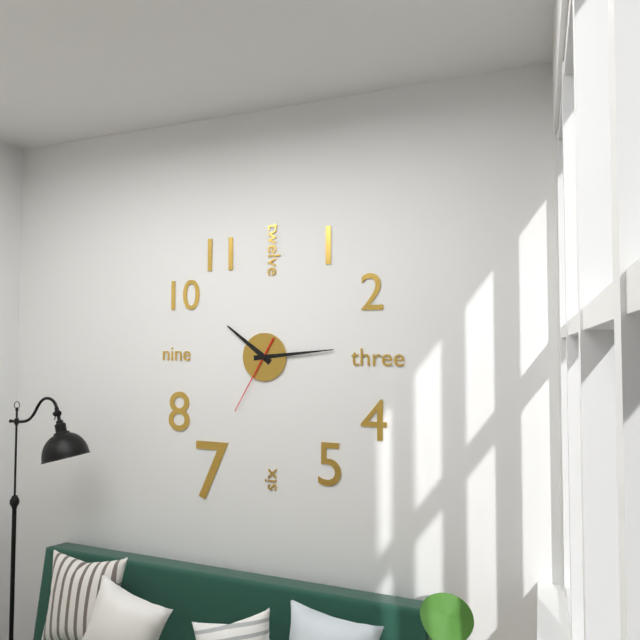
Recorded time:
{"hour": 10, "minute": 14, "second": 35}
